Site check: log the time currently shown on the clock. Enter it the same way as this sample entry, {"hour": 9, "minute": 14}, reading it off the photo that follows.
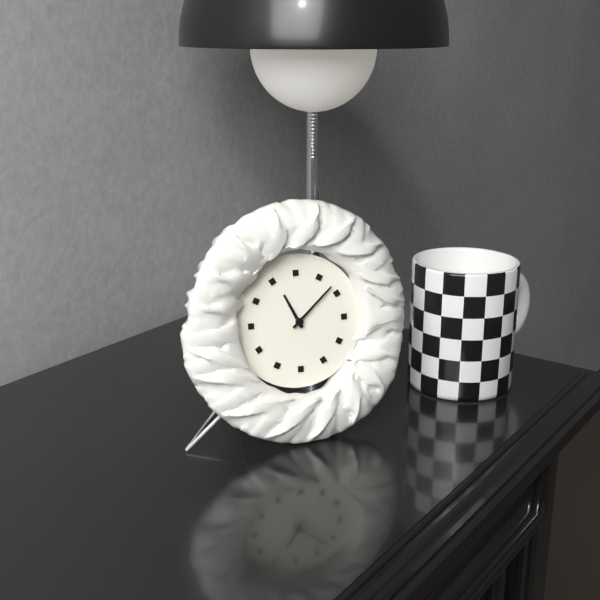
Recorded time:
{"hour": 11, "minute": 8}
